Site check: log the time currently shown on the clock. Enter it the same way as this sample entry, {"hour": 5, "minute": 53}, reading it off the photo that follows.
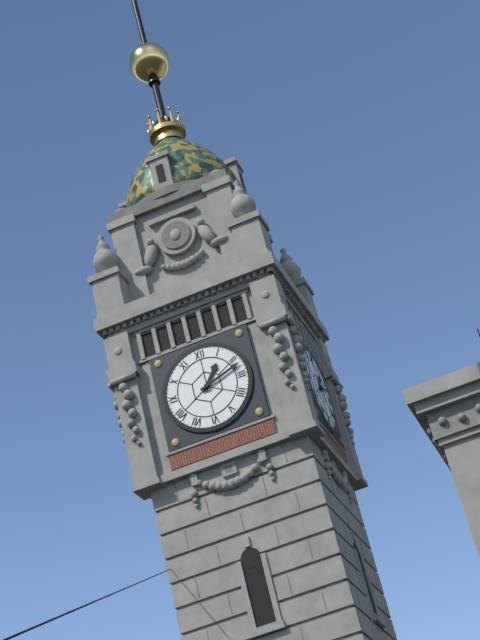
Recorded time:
{"hour": 1, "minute": 12}
